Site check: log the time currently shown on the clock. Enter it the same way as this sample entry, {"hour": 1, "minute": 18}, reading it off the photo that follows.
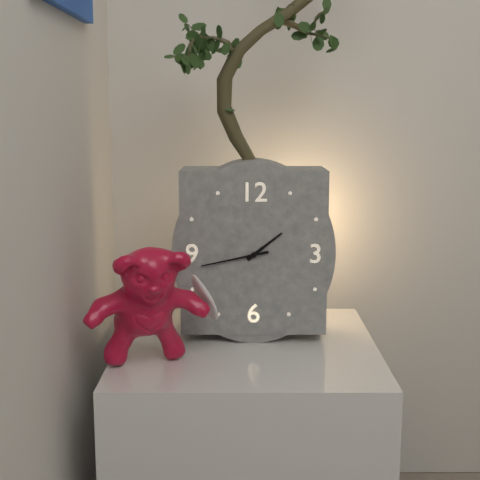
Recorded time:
{"hour": 1, "minute": 43}
